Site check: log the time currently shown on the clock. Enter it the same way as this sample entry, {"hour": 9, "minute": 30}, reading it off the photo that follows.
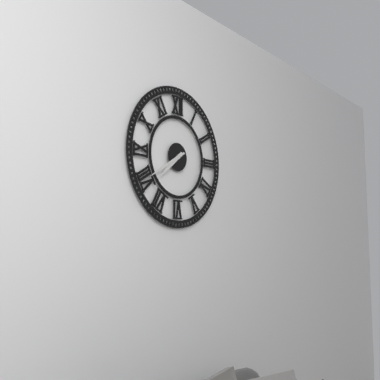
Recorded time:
{"hour": 7, "minute": 40}
